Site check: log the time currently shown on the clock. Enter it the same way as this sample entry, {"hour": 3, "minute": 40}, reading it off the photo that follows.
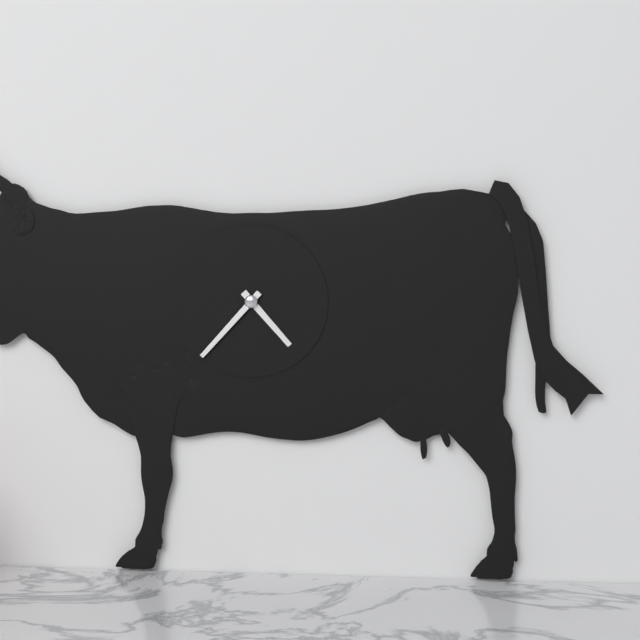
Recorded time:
{"hour": 4, "minute": 37}
